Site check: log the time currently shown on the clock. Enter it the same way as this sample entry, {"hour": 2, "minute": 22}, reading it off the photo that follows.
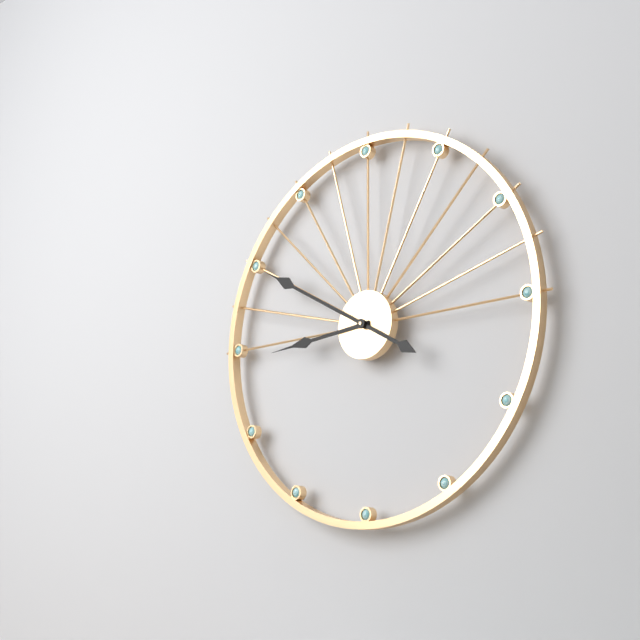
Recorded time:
{"hour": 8, "minute": 50}
